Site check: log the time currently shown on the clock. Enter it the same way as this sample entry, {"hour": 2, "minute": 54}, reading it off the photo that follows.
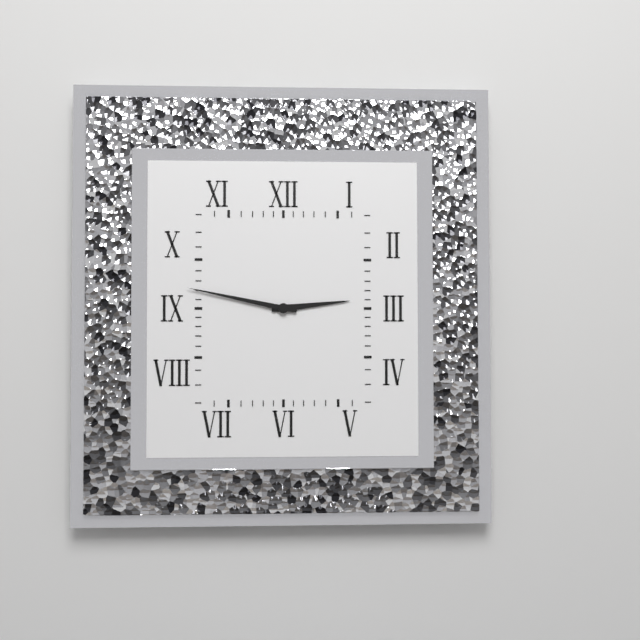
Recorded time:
{"hour": 2, "minute": 47}
